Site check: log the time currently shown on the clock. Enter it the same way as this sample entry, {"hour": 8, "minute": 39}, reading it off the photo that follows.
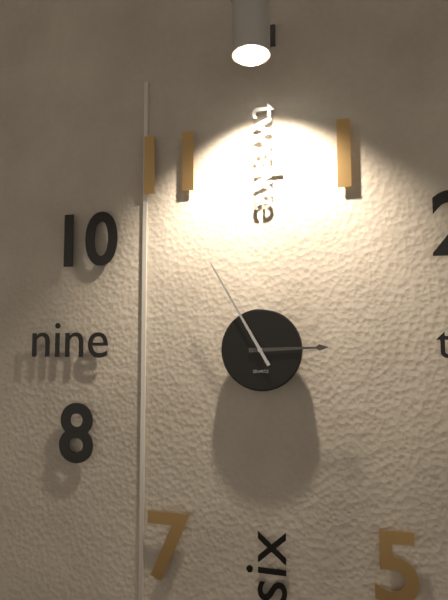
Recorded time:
{"hour": 2, "minute": 55}
